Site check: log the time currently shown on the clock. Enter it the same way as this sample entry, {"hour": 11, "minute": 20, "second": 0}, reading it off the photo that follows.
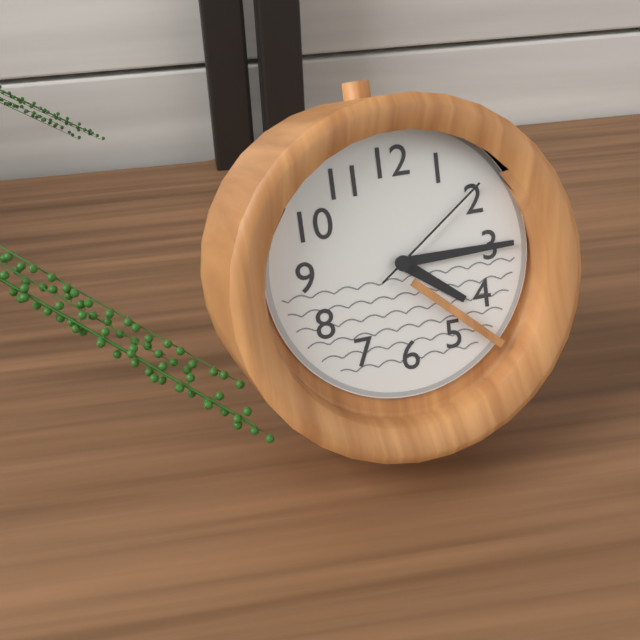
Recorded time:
{"hour": 4, "minute": 15, "second": 9}
